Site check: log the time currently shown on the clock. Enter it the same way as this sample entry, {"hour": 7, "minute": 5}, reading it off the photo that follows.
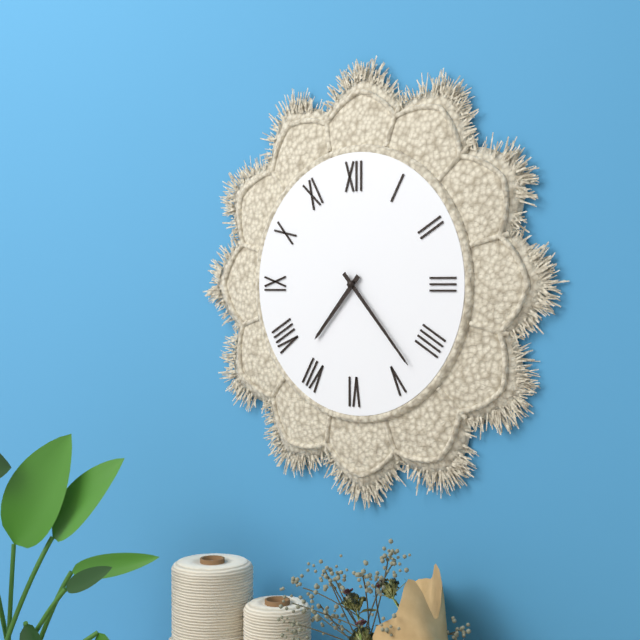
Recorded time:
{"hour": 7, "minute": 23}
